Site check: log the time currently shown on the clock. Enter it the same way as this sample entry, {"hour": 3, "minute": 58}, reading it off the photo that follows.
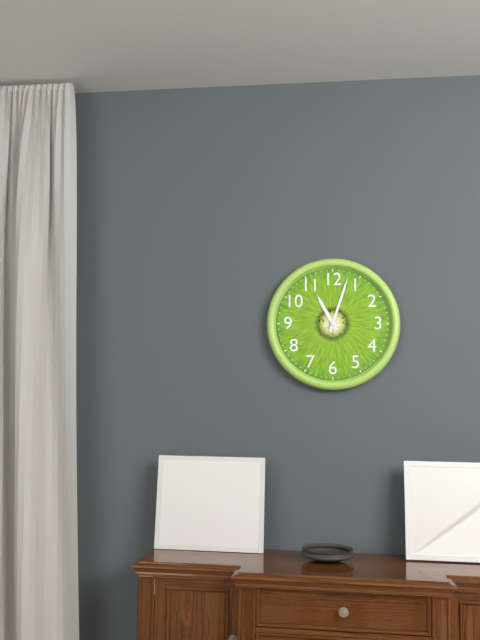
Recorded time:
{"hour": 11, "minute": 3}
